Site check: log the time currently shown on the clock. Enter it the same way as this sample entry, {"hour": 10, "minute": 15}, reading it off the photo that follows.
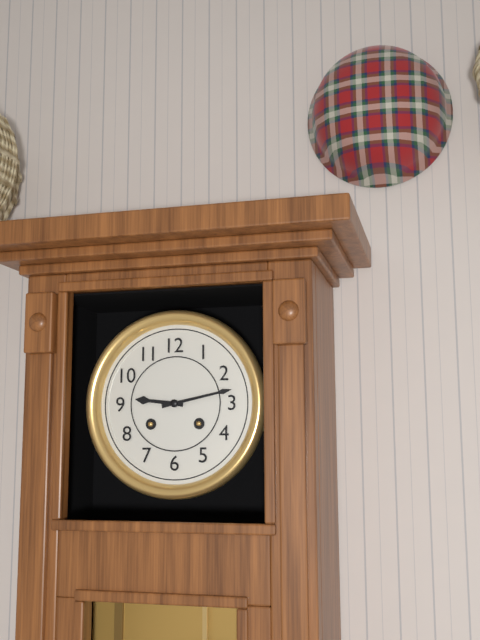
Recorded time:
{"hour": 9, "minute": 13}
